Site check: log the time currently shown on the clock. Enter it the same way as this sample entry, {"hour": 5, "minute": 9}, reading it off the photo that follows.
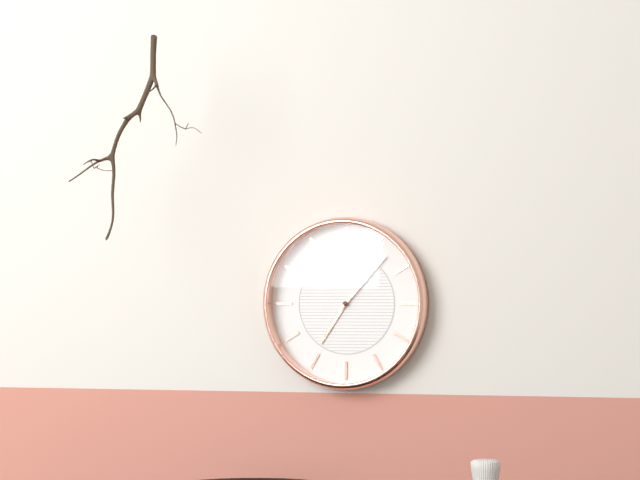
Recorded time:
{"hour": 7, "minute": 7}
